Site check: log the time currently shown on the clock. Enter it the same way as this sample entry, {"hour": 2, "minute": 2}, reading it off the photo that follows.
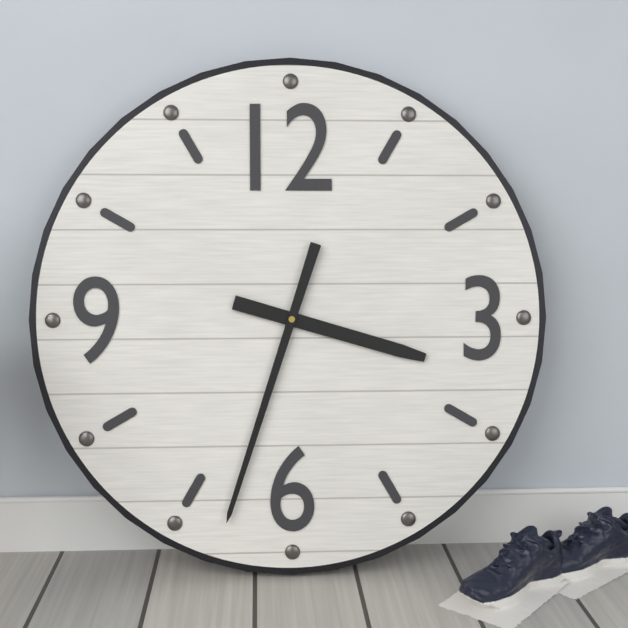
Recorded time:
{"hour": 3, "minute": 33}
